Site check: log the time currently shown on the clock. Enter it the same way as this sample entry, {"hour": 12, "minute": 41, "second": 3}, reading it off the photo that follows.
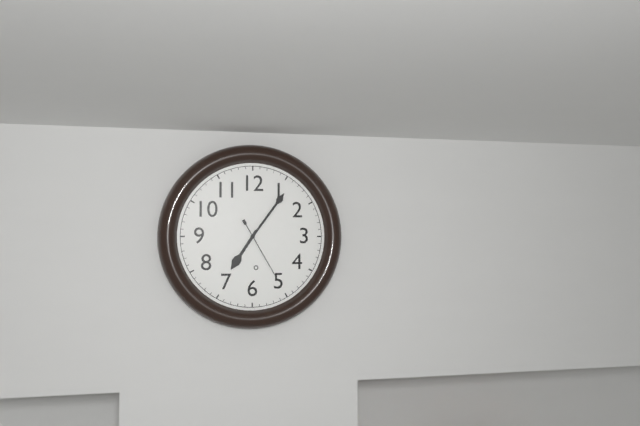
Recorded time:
{"hour": 7, "minute": 6, "second": 25}
